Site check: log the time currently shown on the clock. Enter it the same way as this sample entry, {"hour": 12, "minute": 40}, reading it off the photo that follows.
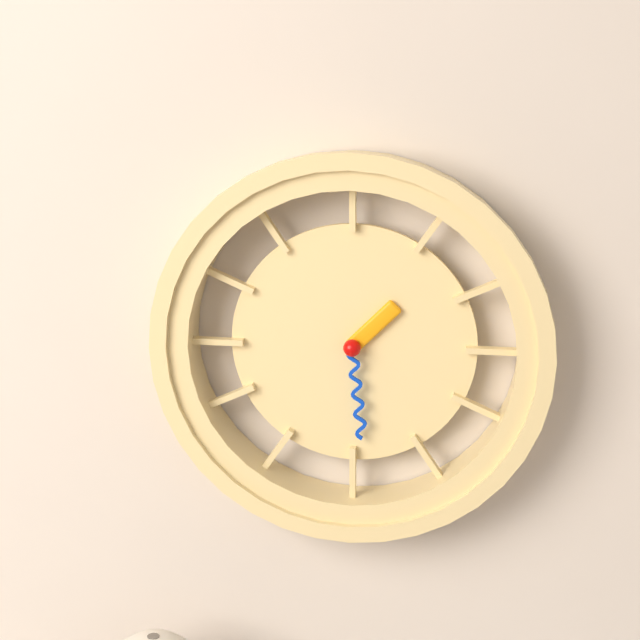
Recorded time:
{"hour": 1, "minute": 29}
